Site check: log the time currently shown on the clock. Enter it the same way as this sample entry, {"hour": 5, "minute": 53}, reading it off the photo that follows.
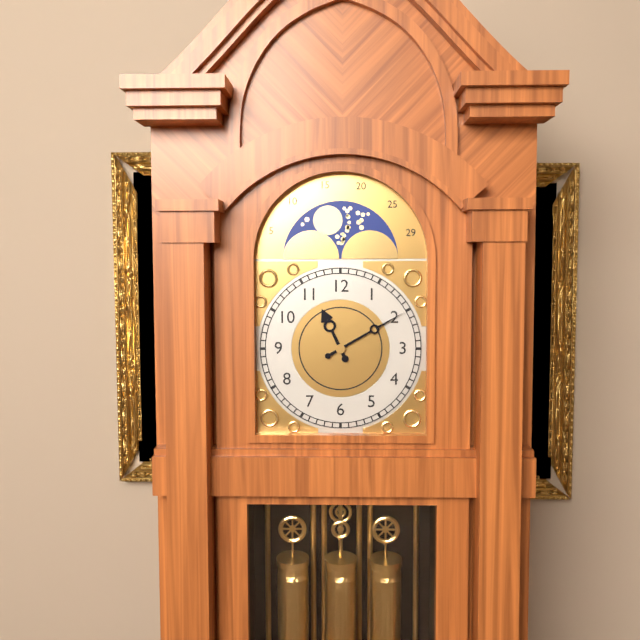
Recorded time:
{"hour": 11, "minute": 10}
